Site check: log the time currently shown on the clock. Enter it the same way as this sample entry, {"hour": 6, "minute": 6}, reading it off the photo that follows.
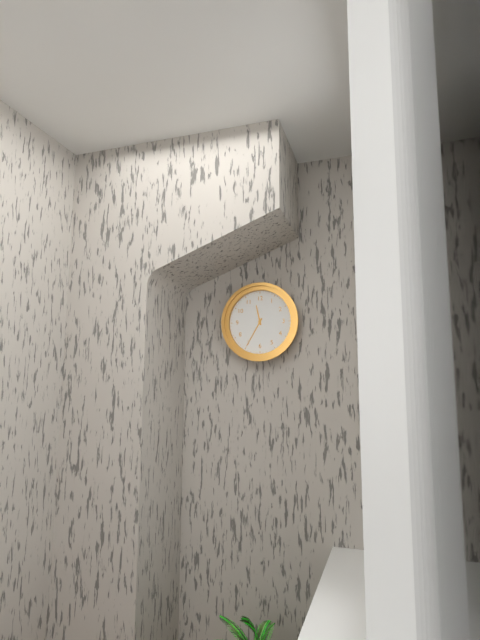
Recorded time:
{"hour": 11, "minute": 35}
